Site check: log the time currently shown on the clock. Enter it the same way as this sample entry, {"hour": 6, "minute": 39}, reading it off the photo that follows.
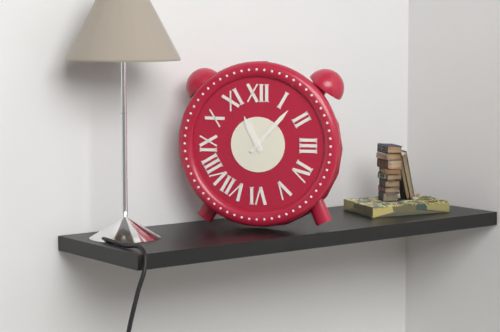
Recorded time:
{"hour": 11, "minute": 7}
